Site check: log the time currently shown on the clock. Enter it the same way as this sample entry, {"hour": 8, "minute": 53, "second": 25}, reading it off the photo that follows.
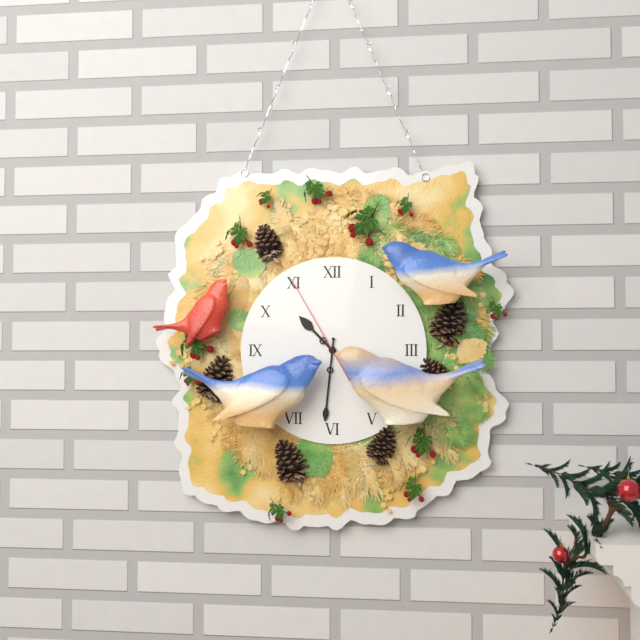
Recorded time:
{"hour": 10, "minute": 31, "second": 55}
